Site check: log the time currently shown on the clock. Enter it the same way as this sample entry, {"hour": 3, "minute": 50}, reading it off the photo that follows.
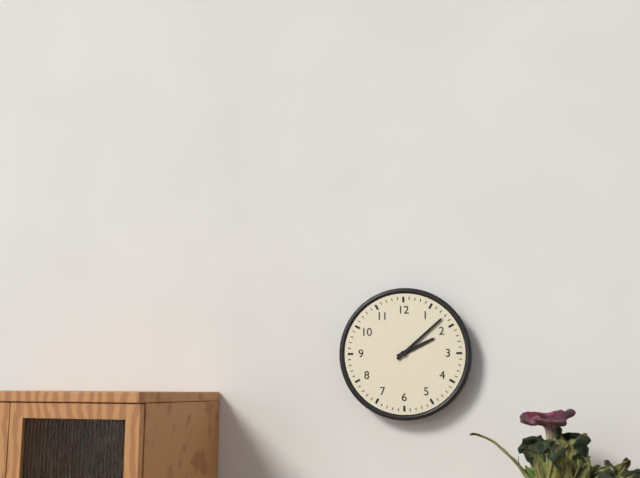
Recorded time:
{"hour": 2, "minute": 8}
